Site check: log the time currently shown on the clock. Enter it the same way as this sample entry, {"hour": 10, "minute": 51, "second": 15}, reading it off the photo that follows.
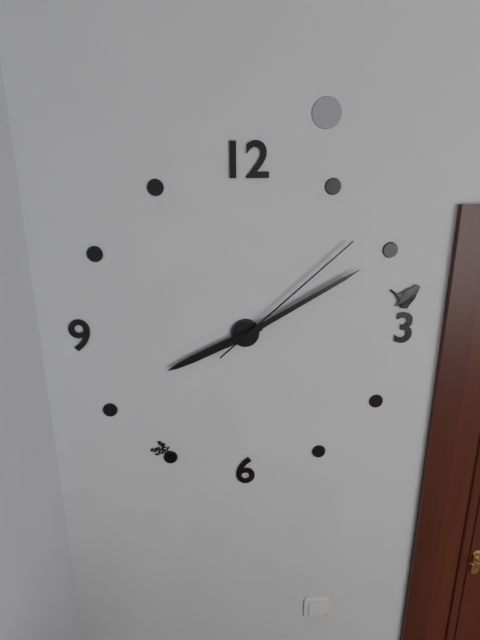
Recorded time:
{"hour": 8, "minute": 10, "second": 8}
